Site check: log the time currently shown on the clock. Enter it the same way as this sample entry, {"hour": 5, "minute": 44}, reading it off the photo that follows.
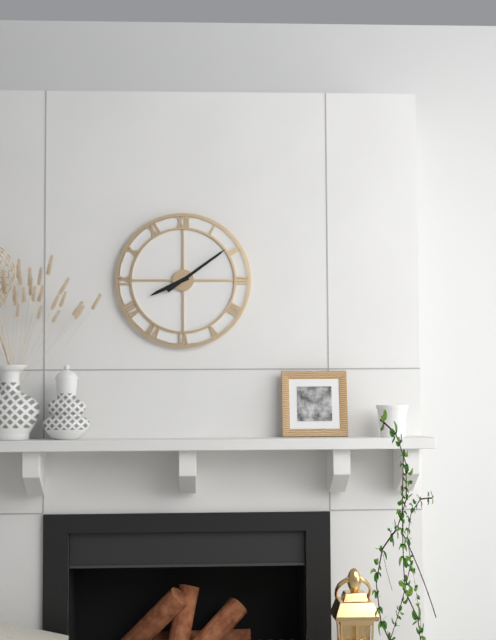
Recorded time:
{"hour": 8, "minute": 9}
